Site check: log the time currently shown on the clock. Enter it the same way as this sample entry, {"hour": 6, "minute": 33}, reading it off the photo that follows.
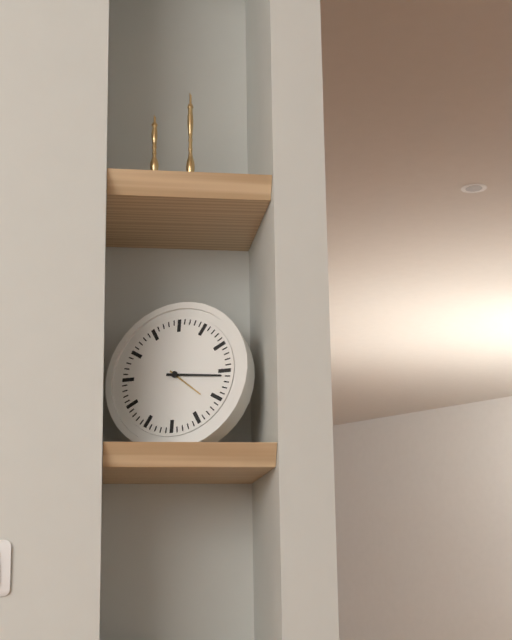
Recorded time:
{"hour": 4, "minute": 16}
